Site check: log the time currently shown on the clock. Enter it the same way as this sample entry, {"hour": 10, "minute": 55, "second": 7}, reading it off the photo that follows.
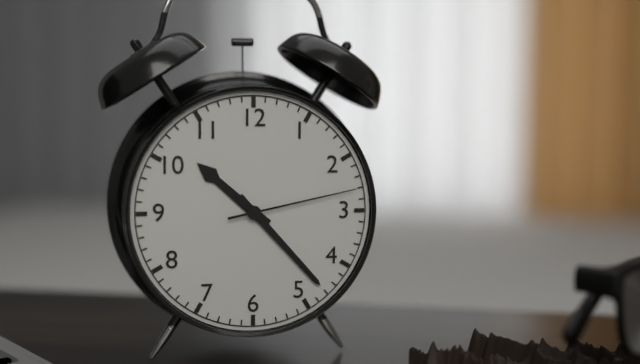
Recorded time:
{"hour": 10, "minute": 23, "second": 13}
